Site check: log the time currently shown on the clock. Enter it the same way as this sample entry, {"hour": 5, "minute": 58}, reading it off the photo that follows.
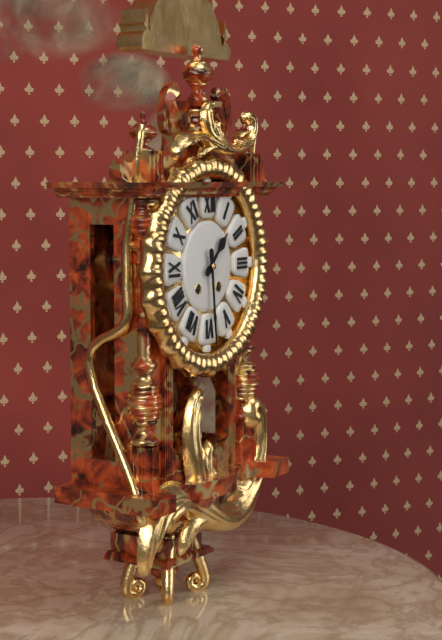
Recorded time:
{"hour": 1, "minute": 29}
